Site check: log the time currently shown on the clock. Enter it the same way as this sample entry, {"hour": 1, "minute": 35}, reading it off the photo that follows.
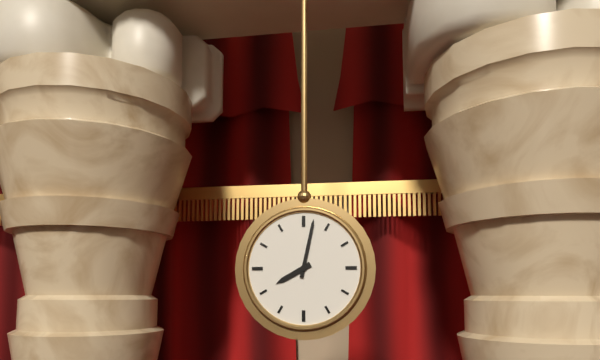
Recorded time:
{"hour": 8, "minute": 2}
